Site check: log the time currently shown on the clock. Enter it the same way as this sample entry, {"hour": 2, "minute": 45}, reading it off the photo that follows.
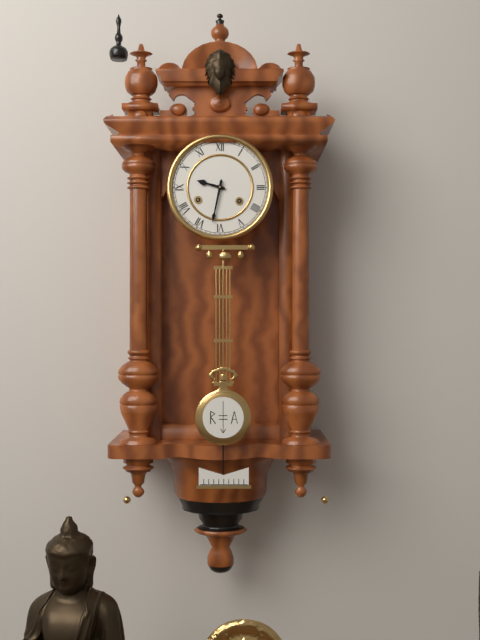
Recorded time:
{"hour": 9, "minute": 32}
